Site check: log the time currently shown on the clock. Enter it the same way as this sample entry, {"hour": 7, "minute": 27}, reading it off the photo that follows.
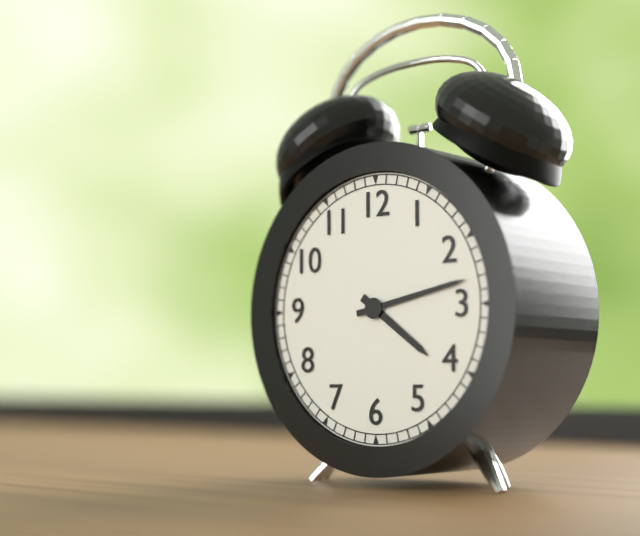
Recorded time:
{"hour": 4, "minute": 13}
